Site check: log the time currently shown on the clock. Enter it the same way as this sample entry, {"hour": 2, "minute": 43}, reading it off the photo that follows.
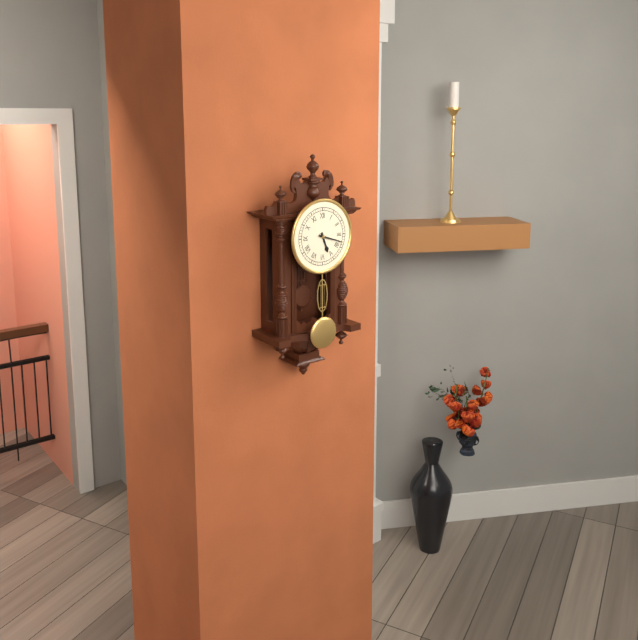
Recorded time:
{"hour": 5, "minute": 18}
